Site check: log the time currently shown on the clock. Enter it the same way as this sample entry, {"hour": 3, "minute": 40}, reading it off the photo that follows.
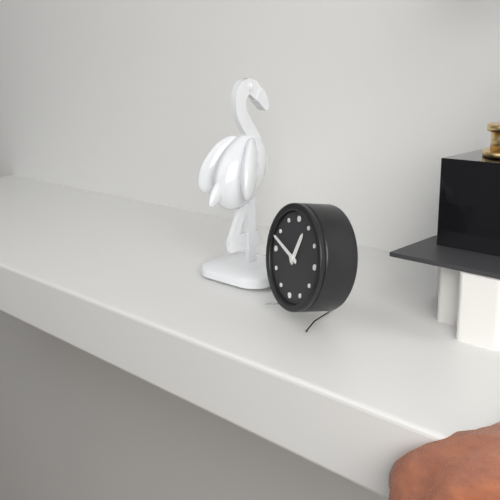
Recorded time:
{"hour": 12, "minute": 48}
